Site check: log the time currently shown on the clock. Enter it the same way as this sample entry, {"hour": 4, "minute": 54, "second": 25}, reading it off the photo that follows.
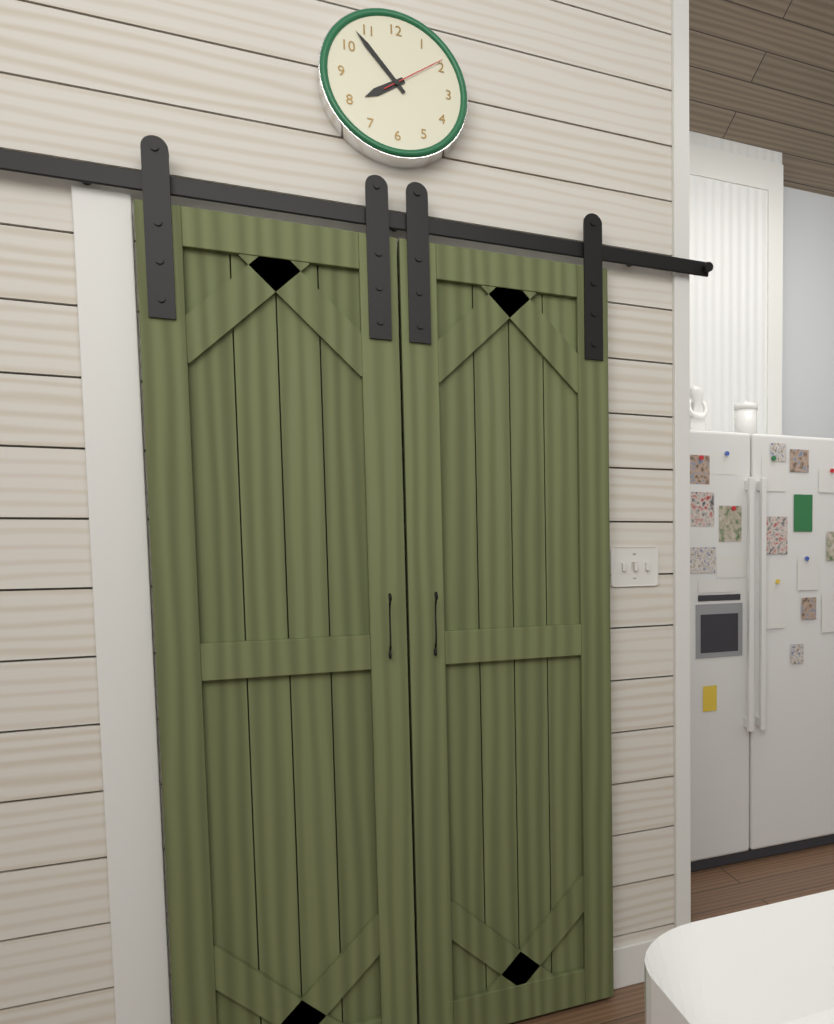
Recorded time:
{"hour": 7, "minute": 53, "second": 9}
